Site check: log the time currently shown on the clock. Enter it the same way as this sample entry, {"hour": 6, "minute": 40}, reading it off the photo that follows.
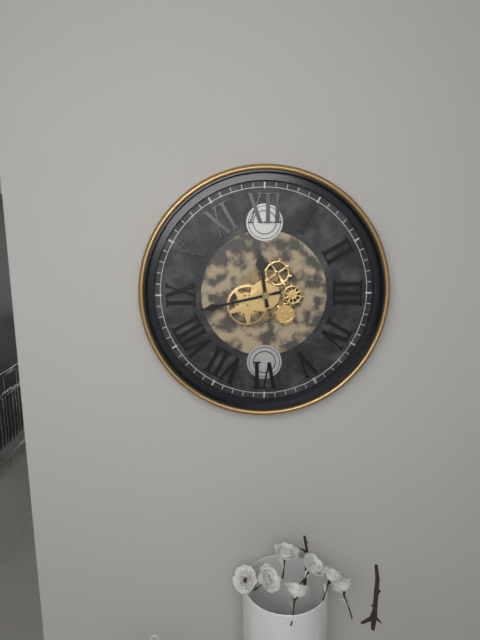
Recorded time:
{"hour": 11, "minute": 43}
